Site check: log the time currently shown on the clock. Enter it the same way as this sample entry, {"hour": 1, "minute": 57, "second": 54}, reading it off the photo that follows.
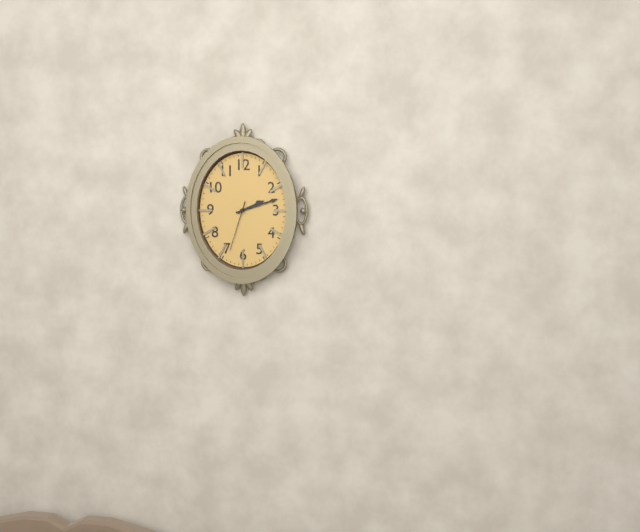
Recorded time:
{"hour": 2, "minute": 12, "second": 33}
